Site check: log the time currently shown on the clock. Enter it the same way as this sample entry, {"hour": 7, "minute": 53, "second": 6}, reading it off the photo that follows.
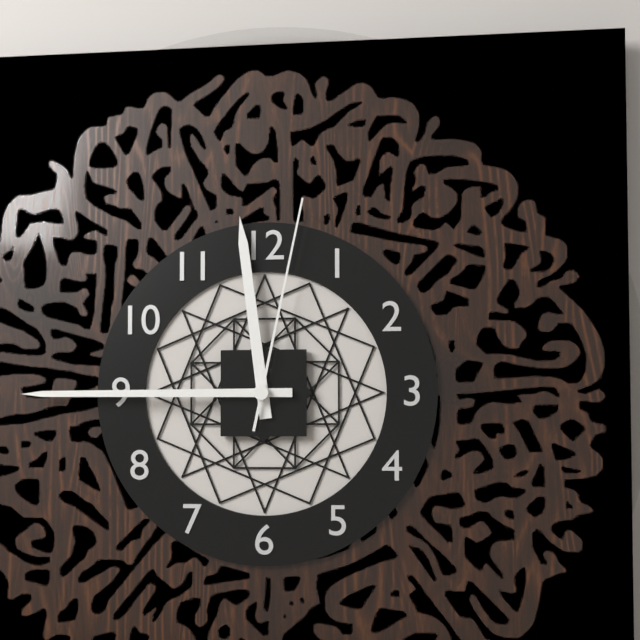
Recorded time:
{"hour": 11, "minute": 45, "second": 2}
